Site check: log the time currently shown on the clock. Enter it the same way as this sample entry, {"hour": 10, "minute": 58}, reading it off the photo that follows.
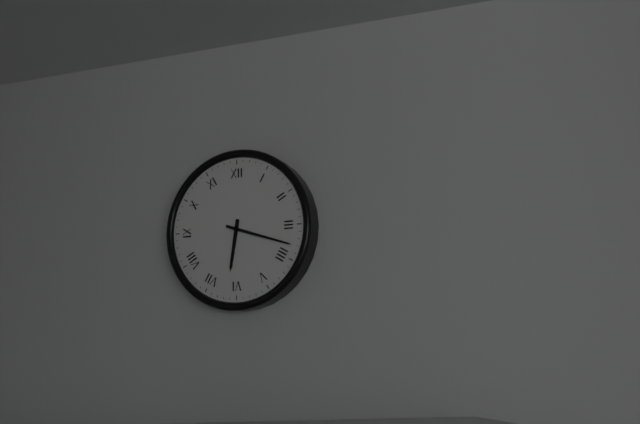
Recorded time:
{"hour": 6, "minute": 18}
